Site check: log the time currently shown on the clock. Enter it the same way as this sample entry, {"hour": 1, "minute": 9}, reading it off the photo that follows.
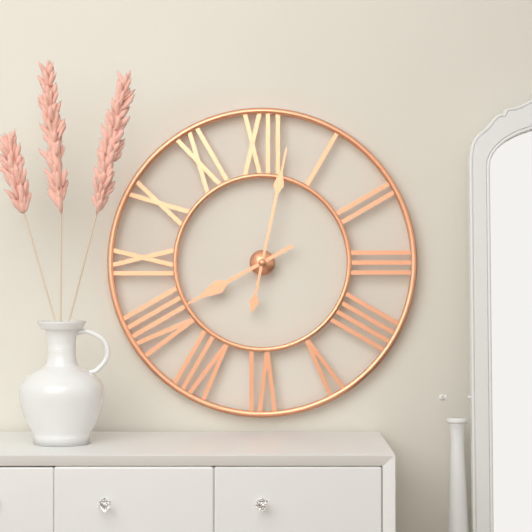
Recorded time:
{"hour": 8, "minute": 2}
